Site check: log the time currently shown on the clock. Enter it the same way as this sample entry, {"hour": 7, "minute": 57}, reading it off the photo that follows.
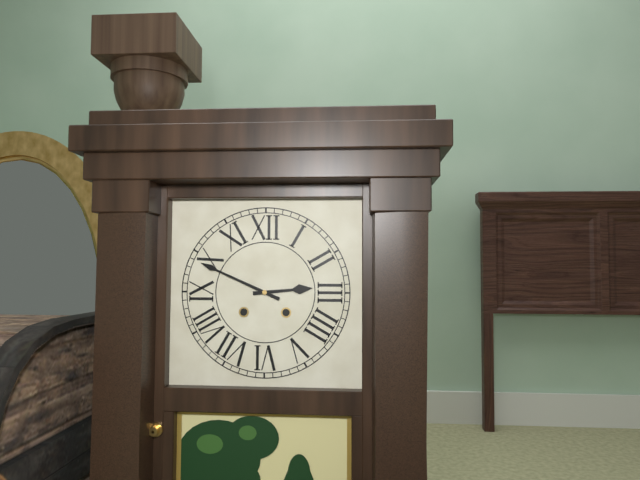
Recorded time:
{"hour": 2, "minute": 49}
